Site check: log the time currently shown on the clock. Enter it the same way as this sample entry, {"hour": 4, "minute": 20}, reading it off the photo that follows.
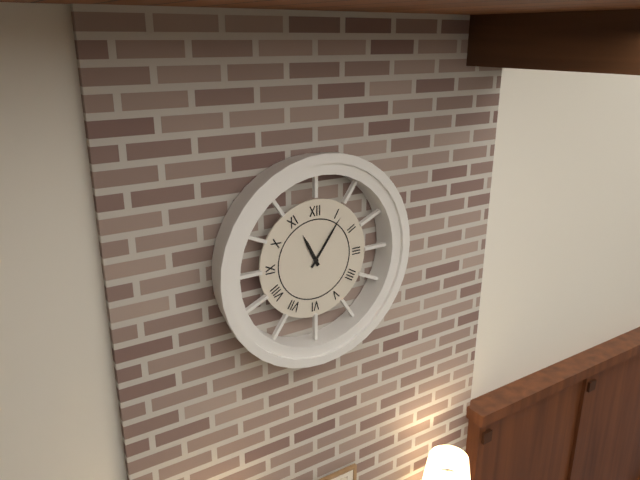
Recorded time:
{"hour": 11, "minute": 6}
